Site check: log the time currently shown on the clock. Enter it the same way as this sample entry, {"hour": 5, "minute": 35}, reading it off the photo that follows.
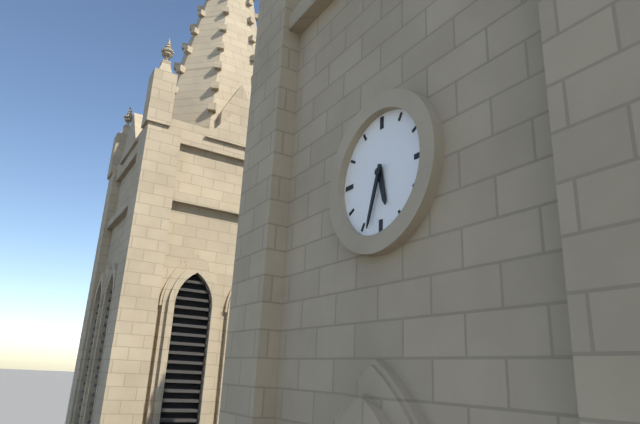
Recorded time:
{"hour": 5, "minute": 33}
